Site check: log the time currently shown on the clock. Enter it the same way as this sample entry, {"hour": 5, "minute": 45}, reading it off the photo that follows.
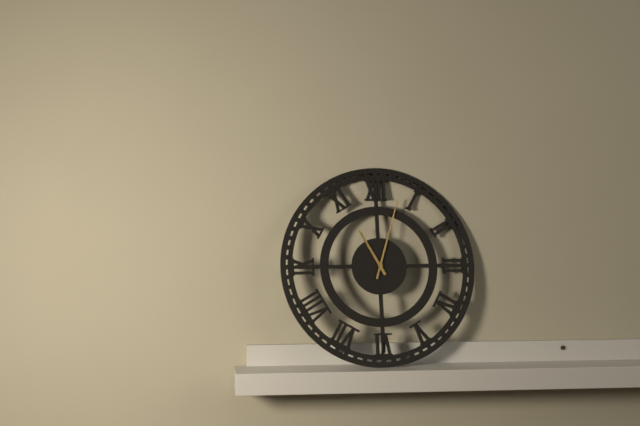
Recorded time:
{"hour": 11, "minute": 3}
